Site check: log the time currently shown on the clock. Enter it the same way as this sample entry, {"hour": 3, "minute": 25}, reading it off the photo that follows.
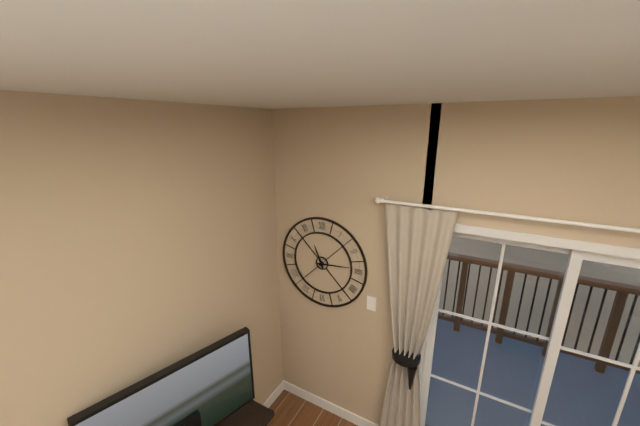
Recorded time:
{"hour": 11, "minute": 14}
